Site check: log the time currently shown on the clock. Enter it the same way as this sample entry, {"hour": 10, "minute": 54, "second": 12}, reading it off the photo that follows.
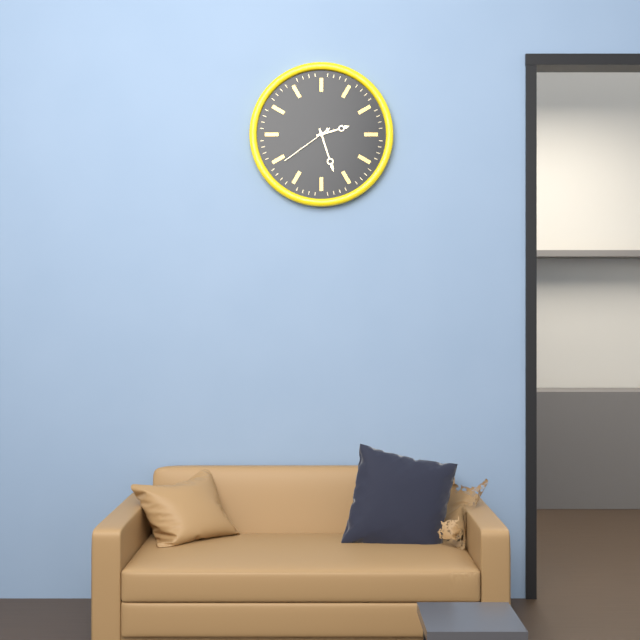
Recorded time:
{"hour": 2, "minute": 27, "second": 39}
